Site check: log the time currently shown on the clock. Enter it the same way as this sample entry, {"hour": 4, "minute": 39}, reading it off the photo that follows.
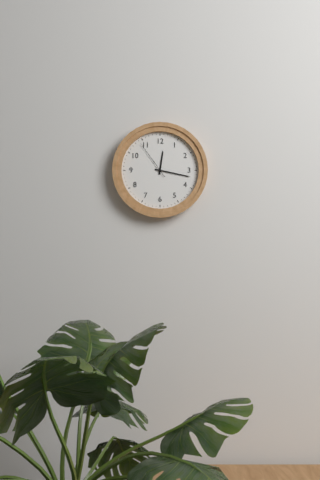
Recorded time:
{"hour": 12, "minute": 17}
